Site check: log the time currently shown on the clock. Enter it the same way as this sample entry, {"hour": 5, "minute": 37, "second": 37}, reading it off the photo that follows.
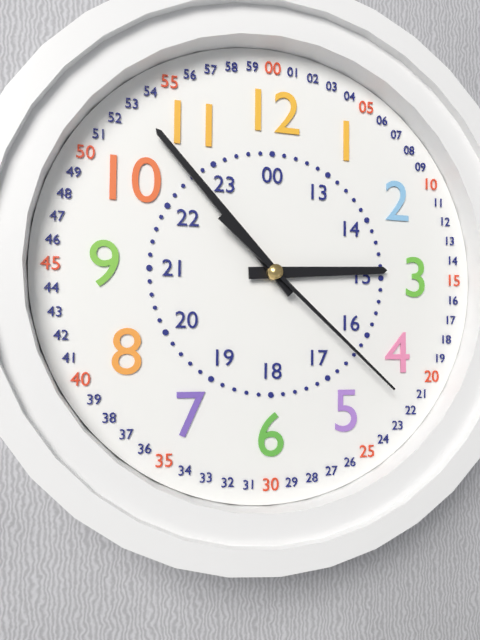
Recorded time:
{"hour": 2, "minute": 53, "second": 22}
